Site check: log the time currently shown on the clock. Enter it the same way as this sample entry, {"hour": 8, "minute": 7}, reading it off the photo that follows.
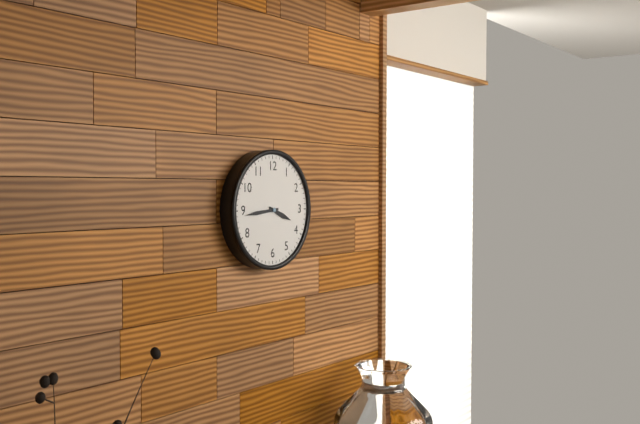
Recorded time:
{"hour": 3, "minute": 44}
